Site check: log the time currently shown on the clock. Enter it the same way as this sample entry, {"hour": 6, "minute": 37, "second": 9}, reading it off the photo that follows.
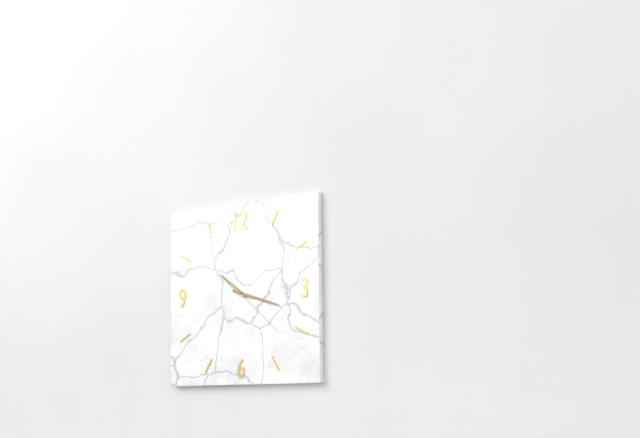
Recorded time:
{"hour": 10, "minute": 18, "second": 22}
